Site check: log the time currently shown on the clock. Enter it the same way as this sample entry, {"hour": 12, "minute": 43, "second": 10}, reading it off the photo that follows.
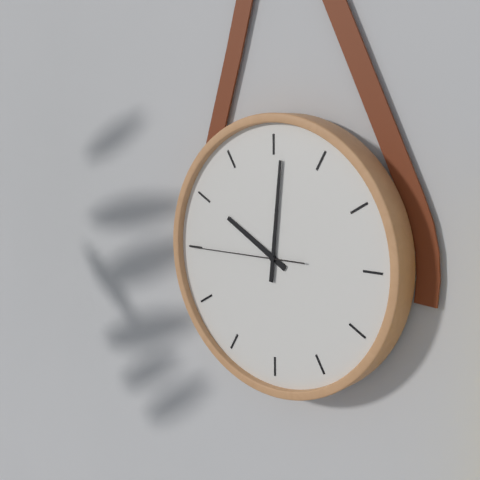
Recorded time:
{"hour": 10, "minute": 1, "second": 45}
